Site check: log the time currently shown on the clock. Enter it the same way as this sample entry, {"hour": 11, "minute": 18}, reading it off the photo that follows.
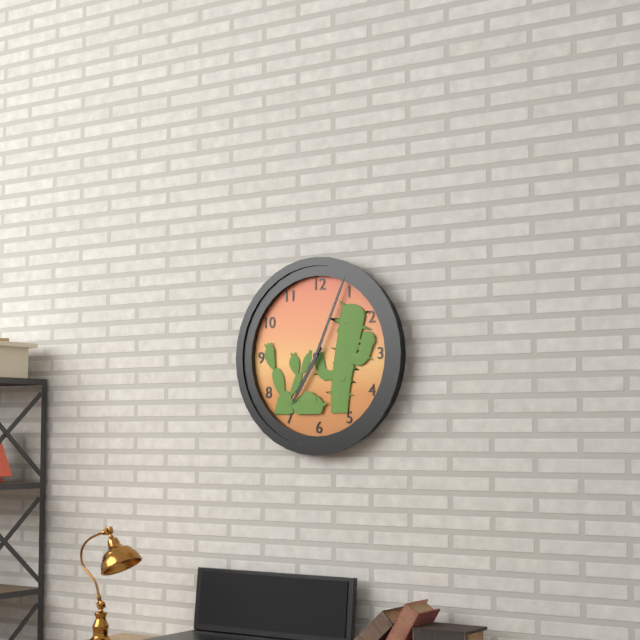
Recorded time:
{"hour": 7, "minute": 4}
